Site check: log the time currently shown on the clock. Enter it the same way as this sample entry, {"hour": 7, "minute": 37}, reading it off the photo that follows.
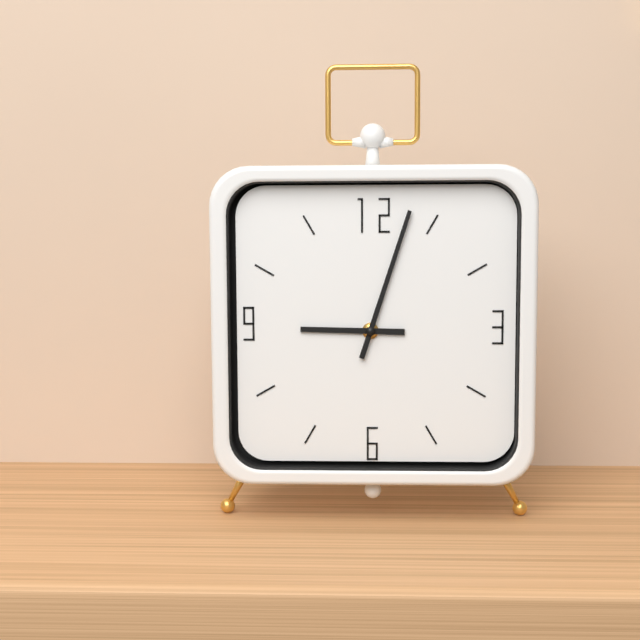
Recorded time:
{"hour": 9, "minute": 3}
